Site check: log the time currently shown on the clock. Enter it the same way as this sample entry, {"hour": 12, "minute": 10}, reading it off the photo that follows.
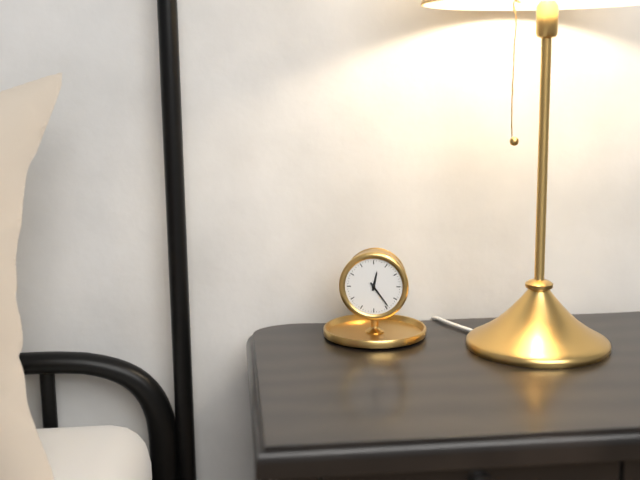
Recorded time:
{"hour": 12, "minute": 24}
